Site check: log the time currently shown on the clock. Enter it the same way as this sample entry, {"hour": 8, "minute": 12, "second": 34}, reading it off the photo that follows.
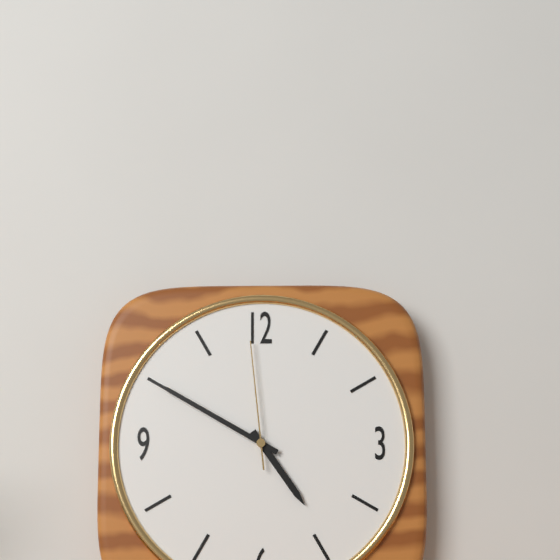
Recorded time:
{"hour": 4, "minute": 50, "second": 59}
